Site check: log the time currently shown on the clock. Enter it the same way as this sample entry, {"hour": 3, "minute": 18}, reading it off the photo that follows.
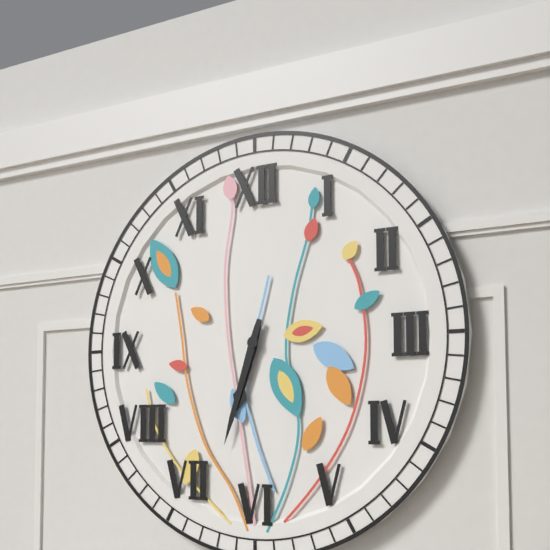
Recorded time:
{"hour": 6, "minute": 33}
